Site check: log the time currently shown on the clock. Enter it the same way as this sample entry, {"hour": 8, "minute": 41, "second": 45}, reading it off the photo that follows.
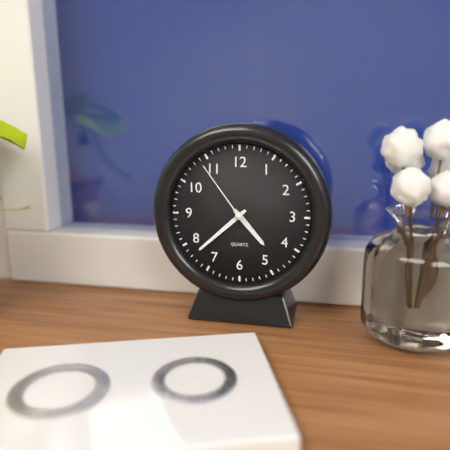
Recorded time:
{"hour": 4, "minute": 38, "second": 54}
